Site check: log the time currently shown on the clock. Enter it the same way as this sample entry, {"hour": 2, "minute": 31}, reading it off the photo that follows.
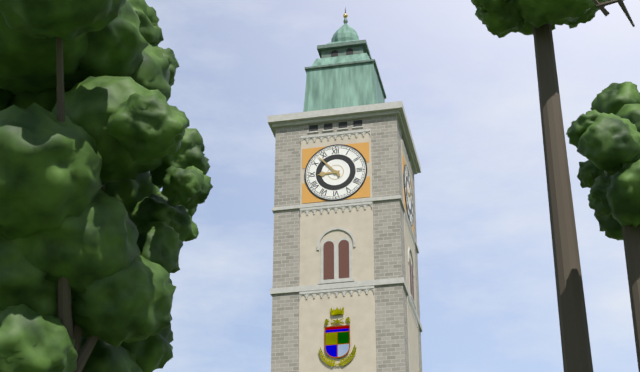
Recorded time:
{"hour": 8, "minute": 53}
